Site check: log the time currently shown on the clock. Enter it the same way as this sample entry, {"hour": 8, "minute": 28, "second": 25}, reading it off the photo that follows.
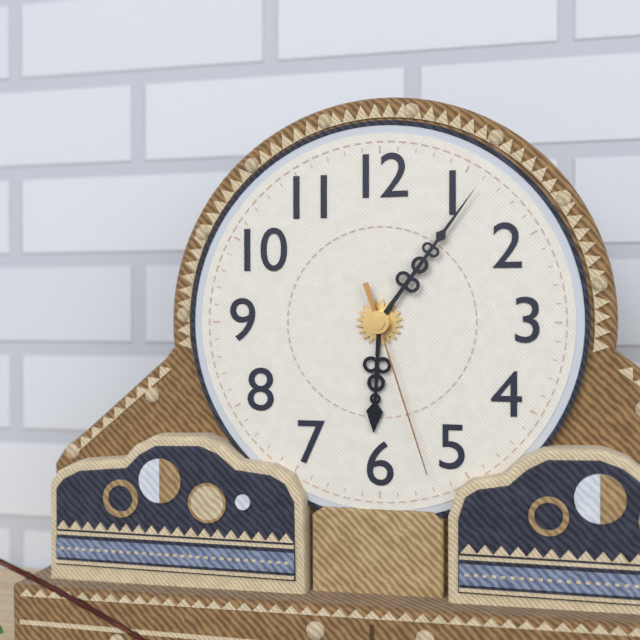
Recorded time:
{"hour": 6, "minute": 6, "second": 27}
